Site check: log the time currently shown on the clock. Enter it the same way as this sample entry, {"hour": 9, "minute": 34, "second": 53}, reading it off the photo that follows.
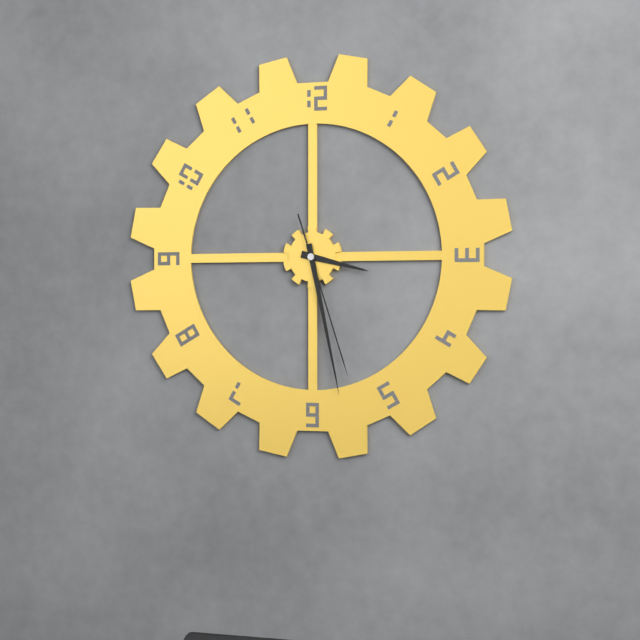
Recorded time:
{"hour": 3, "minute": 28, "second": 27}
